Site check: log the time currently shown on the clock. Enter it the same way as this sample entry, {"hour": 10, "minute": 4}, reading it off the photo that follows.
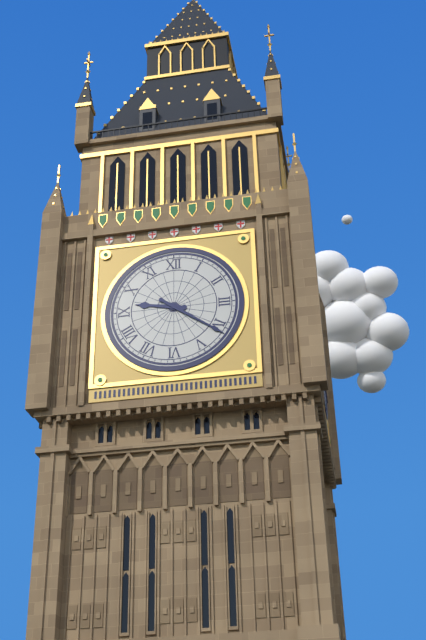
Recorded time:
{"hour": 9, "minute": 21}
